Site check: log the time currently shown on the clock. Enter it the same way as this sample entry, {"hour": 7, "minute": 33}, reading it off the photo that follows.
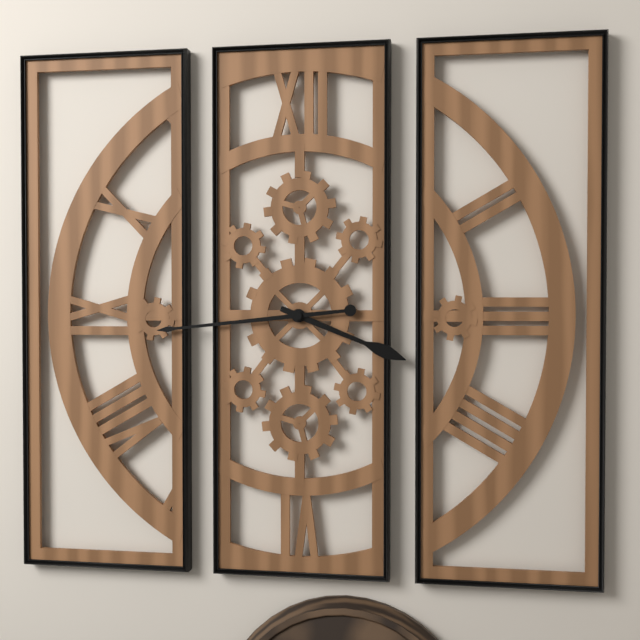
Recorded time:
{"hour": 3, "minute": 44}
